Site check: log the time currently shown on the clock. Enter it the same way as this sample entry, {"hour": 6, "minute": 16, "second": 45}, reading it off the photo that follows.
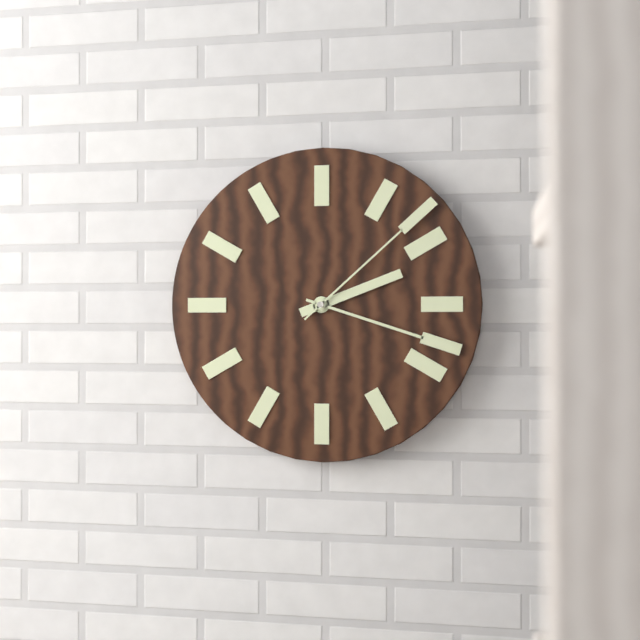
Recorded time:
{"hour": 2, "minute": 18, "second": 8}
